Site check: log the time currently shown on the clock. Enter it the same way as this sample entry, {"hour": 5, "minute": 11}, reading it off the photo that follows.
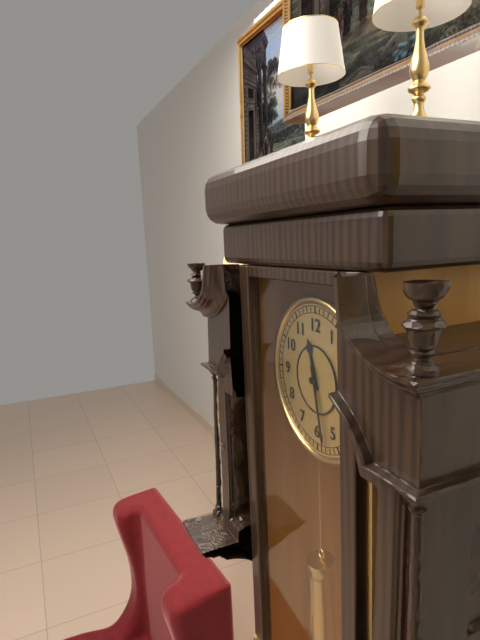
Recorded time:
{"hour": 11, "minute": 28}
